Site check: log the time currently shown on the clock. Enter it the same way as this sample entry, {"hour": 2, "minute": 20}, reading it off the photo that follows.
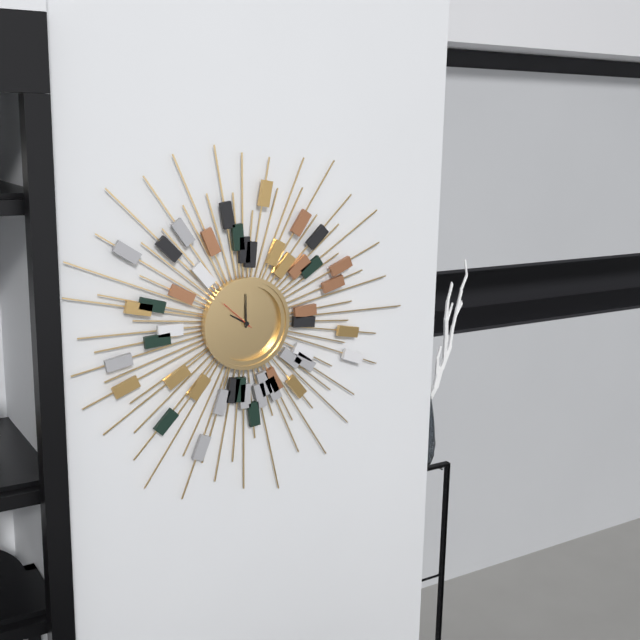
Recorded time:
{"hour": 10, "minute": 0}
